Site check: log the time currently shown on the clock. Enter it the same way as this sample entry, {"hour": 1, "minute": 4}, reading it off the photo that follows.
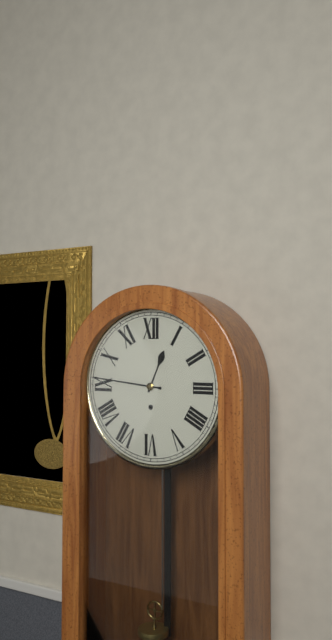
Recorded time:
{"hour": 12, "minute": 46}
